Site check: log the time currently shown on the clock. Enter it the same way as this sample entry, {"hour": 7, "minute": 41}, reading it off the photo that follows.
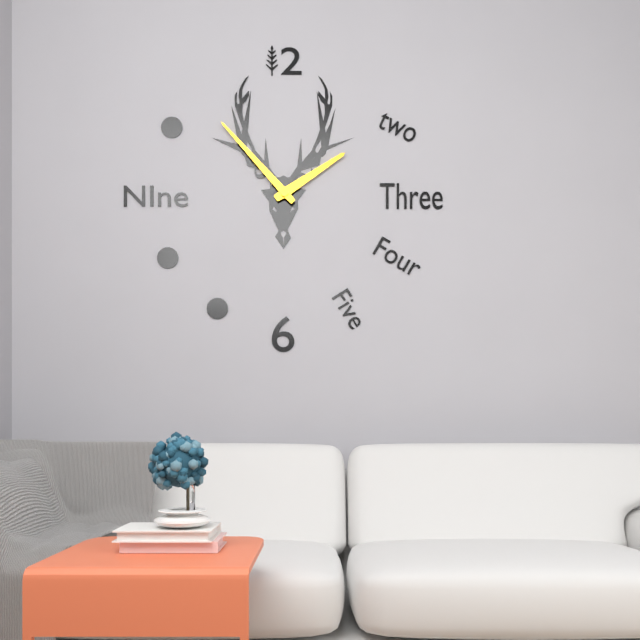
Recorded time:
{"hour": 1, "minute": 53}
